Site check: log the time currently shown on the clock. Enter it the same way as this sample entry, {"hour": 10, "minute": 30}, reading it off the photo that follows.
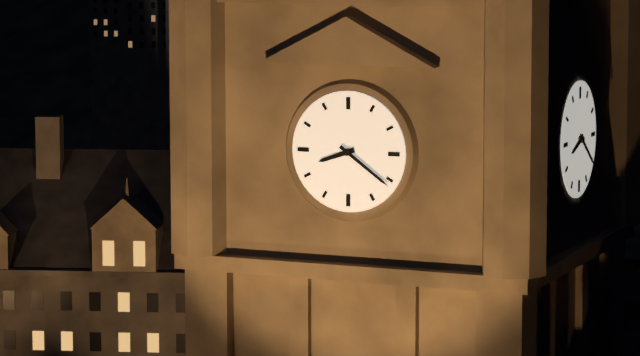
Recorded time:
{"hour": 8, "minute": 21}
